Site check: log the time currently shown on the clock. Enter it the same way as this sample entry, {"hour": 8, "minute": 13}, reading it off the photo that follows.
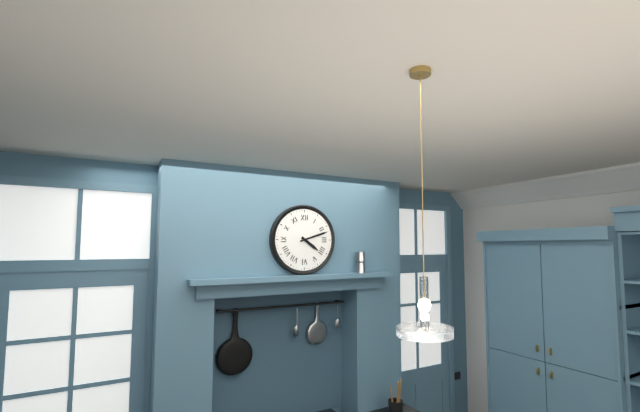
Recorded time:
{"hour": 4, "minute": 12}
